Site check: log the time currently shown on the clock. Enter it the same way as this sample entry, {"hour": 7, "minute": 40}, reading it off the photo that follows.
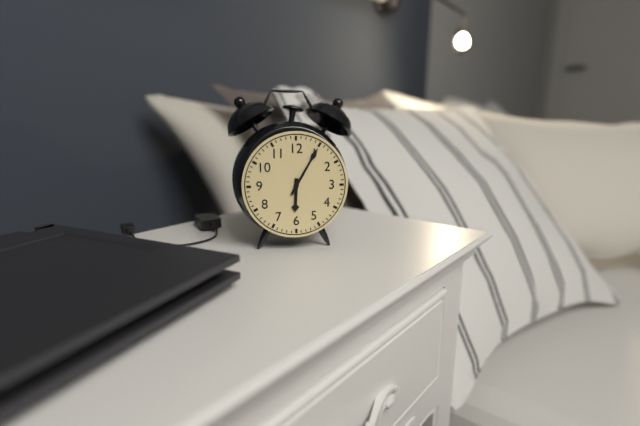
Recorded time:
{"hour": 6, "minute": 5}
